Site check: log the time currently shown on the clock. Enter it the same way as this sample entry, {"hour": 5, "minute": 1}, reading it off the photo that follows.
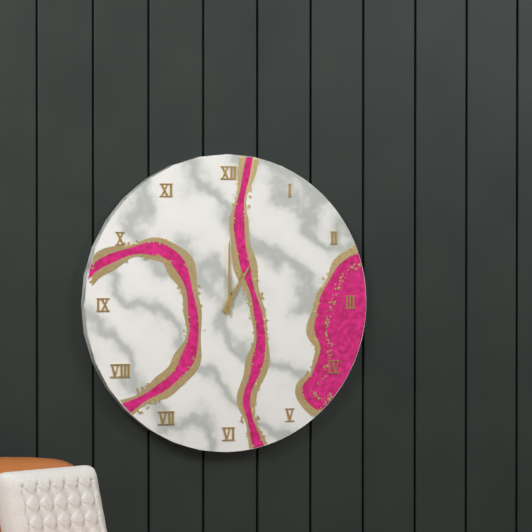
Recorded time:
{"hour": 1, "minute": 0}
